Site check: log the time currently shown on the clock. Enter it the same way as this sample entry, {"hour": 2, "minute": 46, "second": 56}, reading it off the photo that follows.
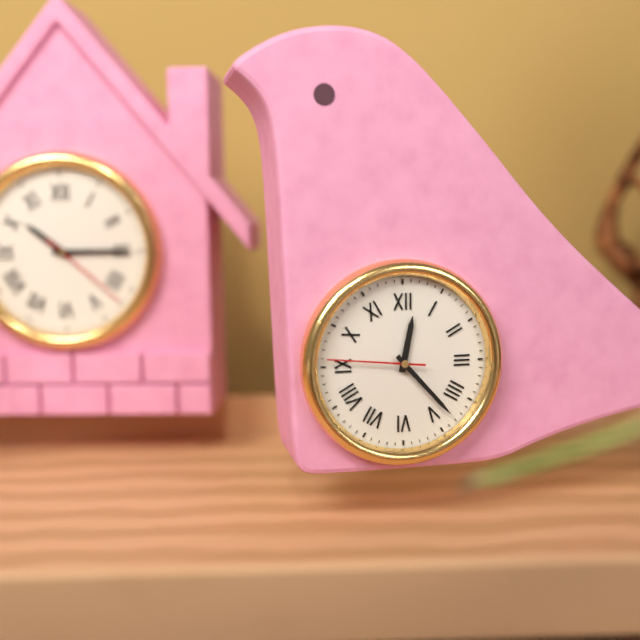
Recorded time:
{"hour": 12, "minute": 23, "second": 46}
